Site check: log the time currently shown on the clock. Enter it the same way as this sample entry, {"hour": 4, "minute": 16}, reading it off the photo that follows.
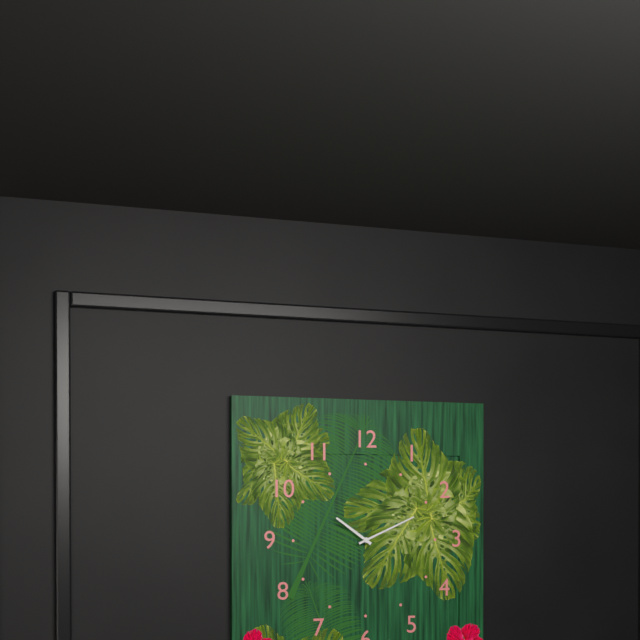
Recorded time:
{"hour": 10, "minute": 11}
